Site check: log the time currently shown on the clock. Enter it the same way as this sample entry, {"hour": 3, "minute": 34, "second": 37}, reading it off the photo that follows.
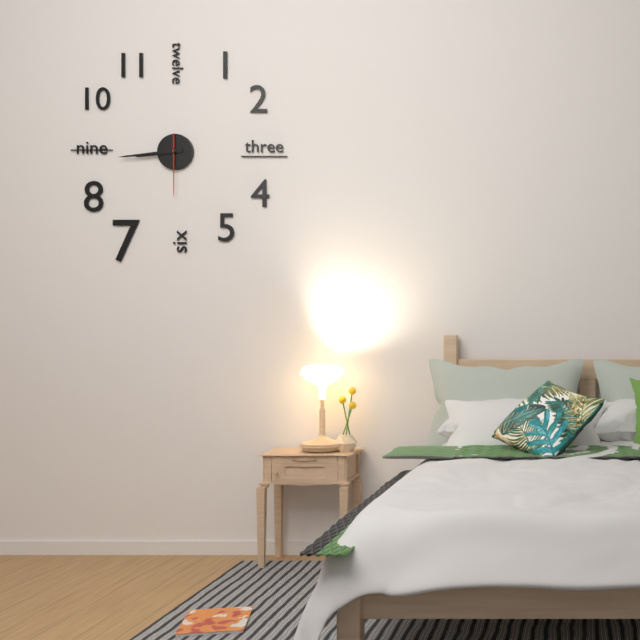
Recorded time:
{"hour": 8, "minute": 44, "second": 30}
